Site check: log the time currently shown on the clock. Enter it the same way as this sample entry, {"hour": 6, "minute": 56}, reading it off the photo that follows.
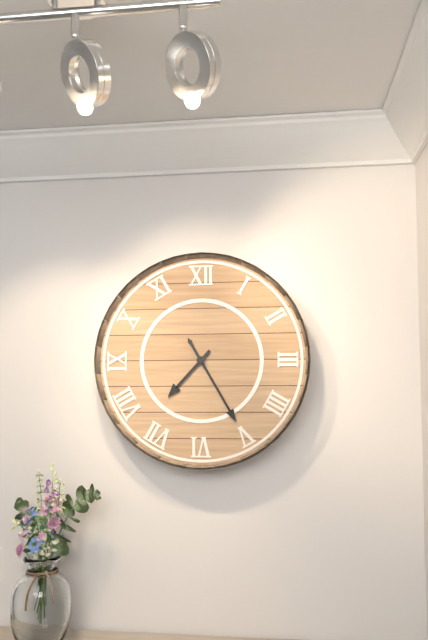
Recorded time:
{"hour": 7, "minute": 25}
